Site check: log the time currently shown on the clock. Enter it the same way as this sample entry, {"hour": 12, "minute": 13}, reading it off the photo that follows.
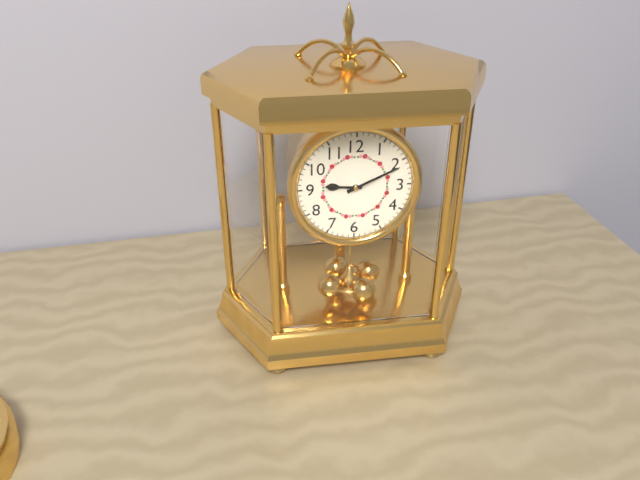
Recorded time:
{"hour": 9, "minute": 11}
